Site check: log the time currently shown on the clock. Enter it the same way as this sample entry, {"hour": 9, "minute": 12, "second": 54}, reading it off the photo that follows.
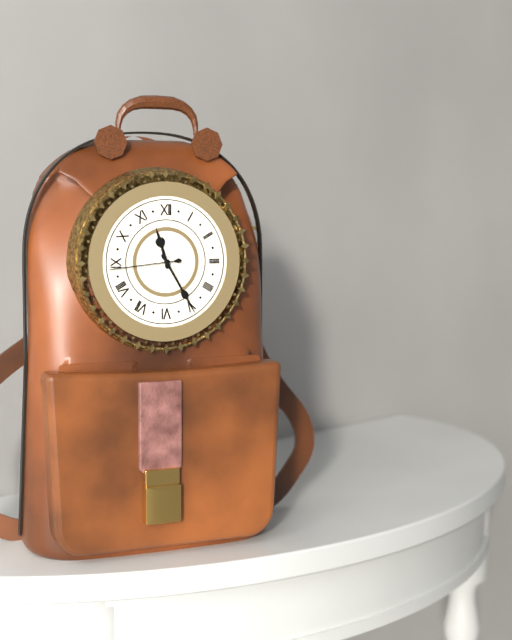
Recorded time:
{"hour": 11, "minute": 25, "second": 44}
